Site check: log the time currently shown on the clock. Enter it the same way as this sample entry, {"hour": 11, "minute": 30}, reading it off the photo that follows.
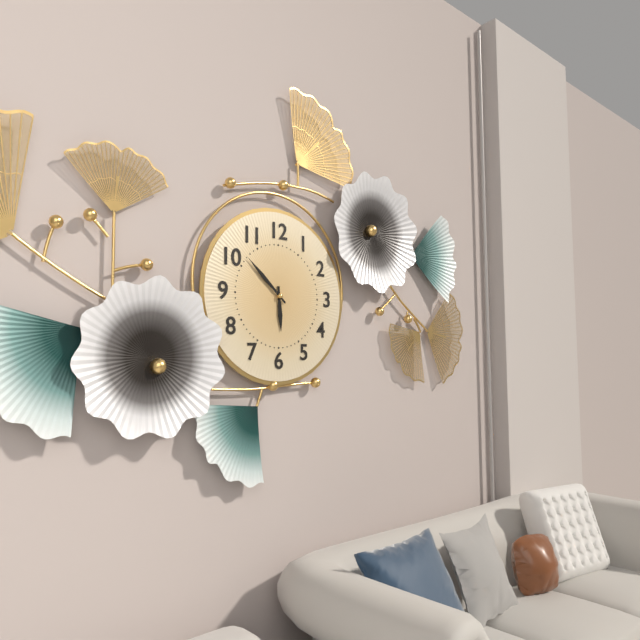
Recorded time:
{"hour": 5, "minute": 52}
